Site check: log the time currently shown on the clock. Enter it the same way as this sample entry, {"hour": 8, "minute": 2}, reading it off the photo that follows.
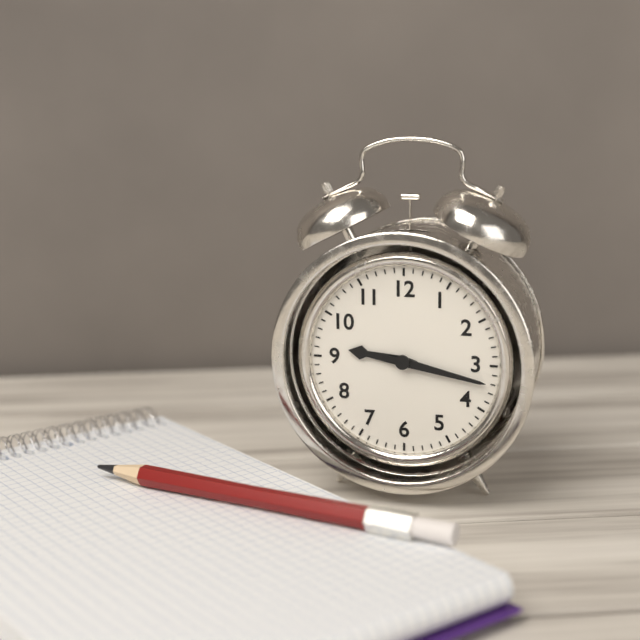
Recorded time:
{"hour": 9, "minute": 17}
